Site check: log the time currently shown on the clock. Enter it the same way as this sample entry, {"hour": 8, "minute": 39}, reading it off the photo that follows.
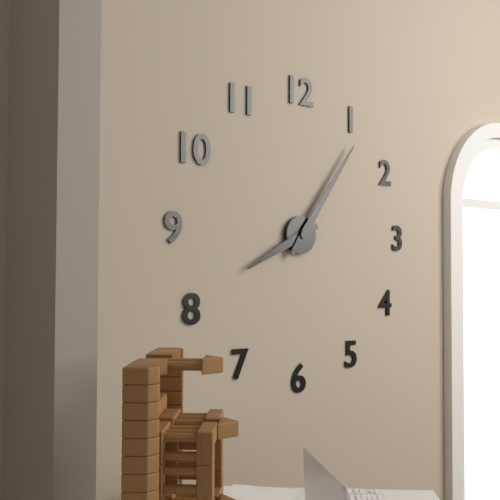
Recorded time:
{"hour": 8, "minute": 6}
